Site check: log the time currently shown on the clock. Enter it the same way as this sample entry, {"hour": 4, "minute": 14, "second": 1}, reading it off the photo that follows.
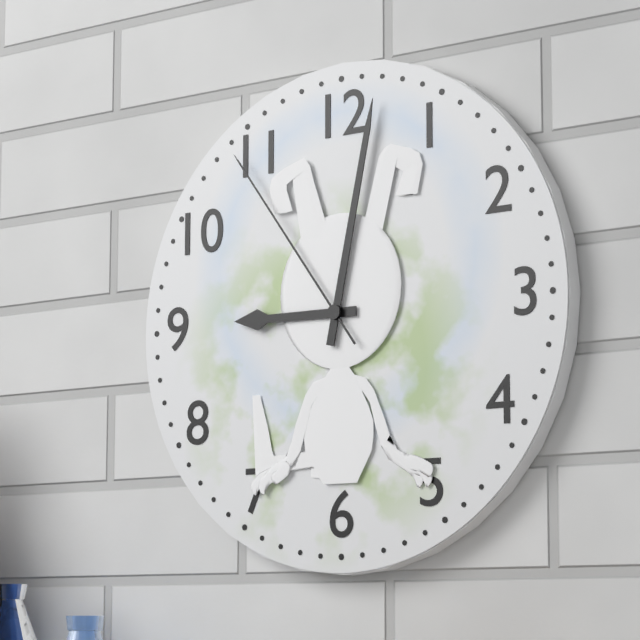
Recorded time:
{"hour": 9, "minute": 2, "second": 54}
